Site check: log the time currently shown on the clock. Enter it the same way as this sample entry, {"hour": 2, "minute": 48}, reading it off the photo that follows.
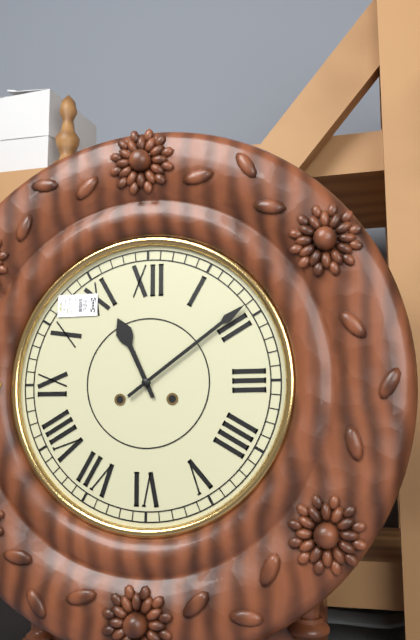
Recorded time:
{"hour": 11, "minute": 9}
